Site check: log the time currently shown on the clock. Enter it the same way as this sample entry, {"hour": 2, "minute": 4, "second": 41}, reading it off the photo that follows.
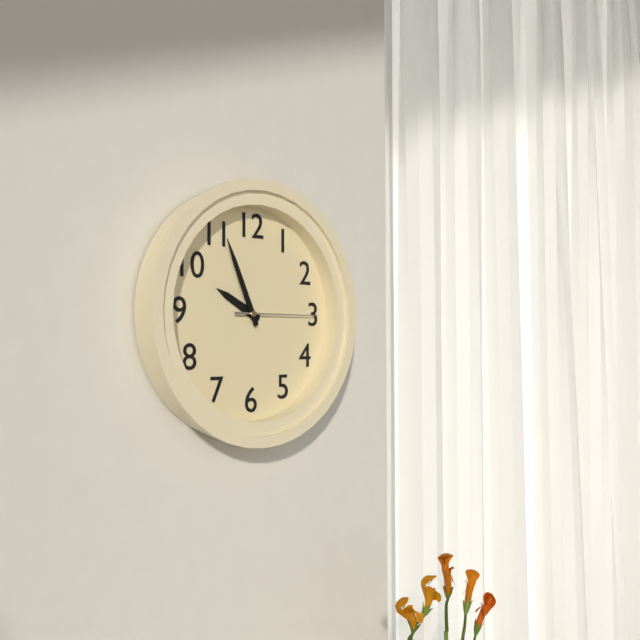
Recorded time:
{"hour": 9, "minute": 56, "second": 15}
